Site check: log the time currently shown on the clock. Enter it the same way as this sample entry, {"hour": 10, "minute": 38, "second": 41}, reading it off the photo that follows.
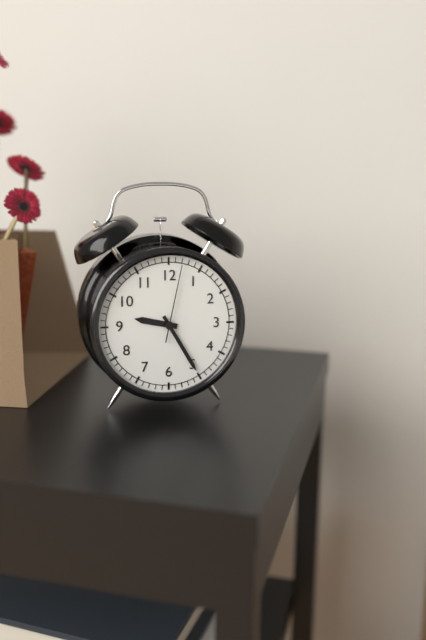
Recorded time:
{"hour": 9, "minute": 25, "second": 2}
